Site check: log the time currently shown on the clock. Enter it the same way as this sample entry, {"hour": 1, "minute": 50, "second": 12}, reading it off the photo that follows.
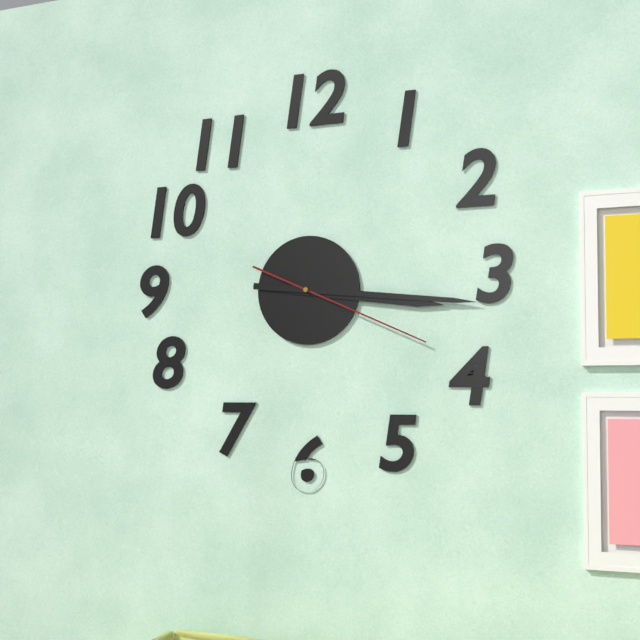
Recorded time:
{"hour": 3, "minute": 16, "second": 19}
